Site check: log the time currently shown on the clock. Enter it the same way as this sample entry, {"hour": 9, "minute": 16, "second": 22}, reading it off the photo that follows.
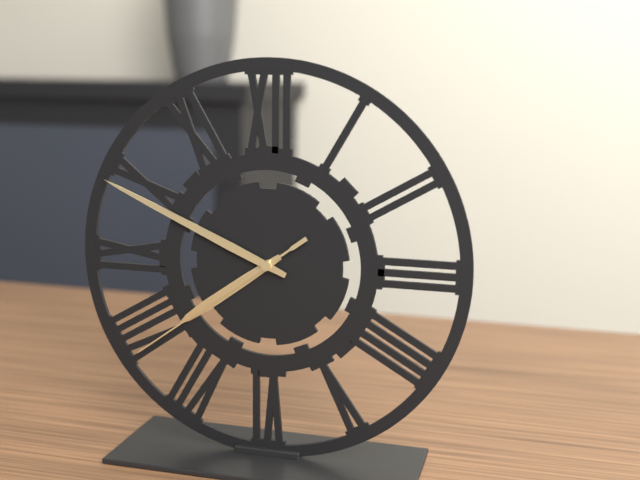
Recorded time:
{"hour": 7, "minute": 49, "second": 39}
